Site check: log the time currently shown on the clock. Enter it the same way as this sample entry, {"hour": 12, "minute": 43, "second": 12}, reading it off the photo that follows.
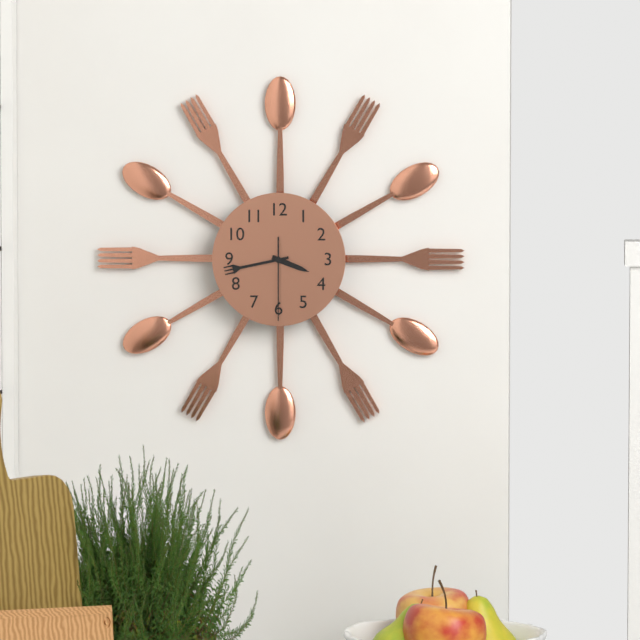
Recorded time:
{"hour": 3, "minute": 43, "second": 30}
